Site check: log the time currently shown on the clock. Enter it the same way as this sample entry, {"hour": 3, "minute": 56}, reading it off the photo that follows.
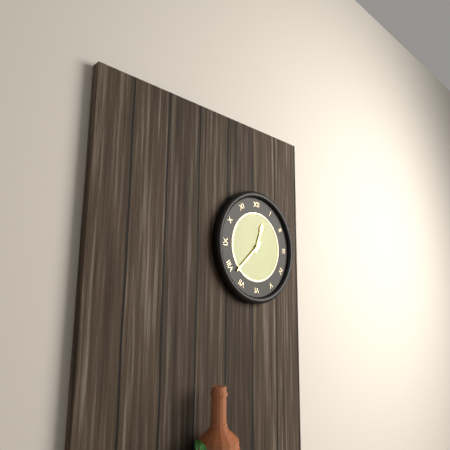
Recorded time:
{"hour": 12, "minute": 38}
